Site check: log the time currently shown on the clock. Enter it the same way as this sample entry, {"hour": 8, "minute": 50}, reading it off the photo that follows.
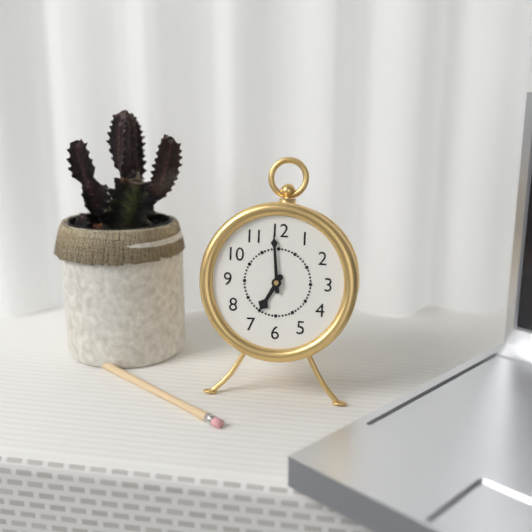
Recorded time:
{"hour": 6, "minute": 59}
